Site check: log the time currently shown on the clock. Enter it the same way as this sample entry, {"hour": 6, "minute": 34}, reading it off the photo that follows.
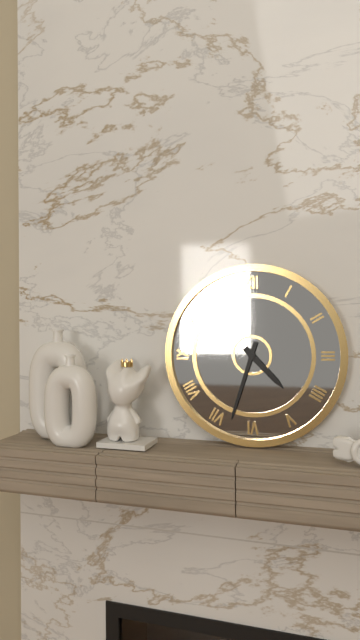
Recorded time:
{"hour": 4, "minute": 33}
